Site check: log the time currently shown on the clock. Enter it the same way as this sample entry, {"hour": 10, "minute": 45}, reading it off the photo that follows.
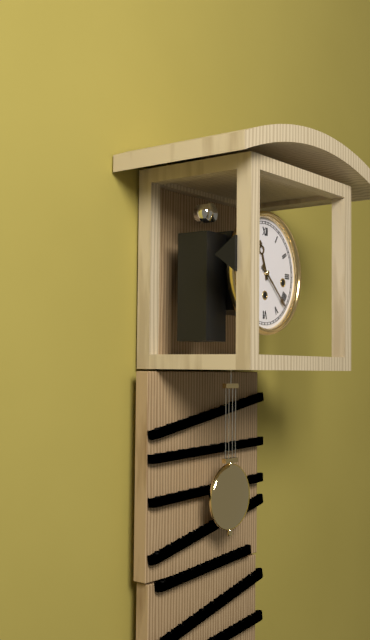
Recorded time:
{"hour": 11, "minute": 22}
